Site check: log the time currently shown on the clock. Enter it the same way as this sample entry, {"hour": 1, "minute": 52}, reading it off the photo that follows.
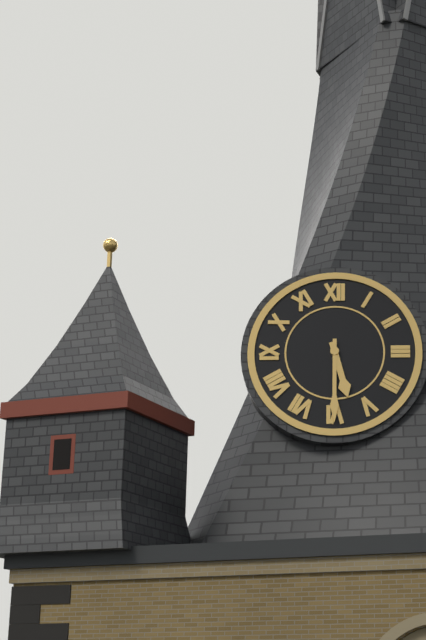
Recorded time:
{"hour": 5, "minute": 30}
